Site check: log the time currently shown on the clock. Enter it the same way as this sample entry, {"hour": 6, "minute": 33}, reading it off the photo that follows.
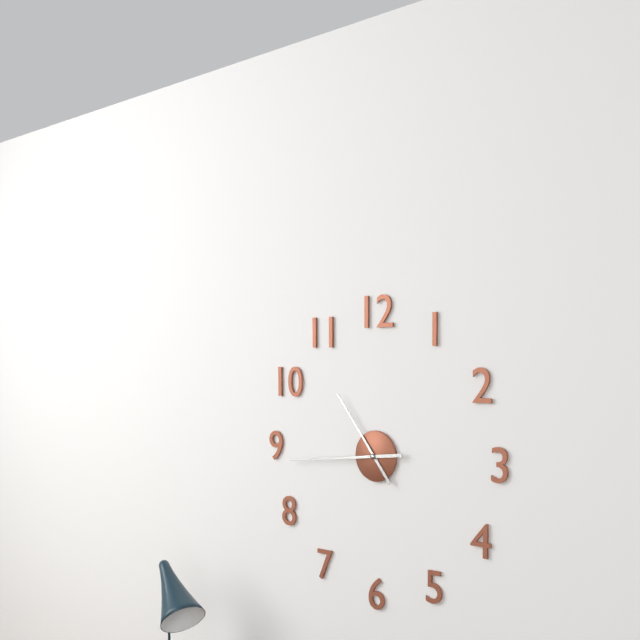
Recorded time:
{"hour": 10, "minute": 44}
